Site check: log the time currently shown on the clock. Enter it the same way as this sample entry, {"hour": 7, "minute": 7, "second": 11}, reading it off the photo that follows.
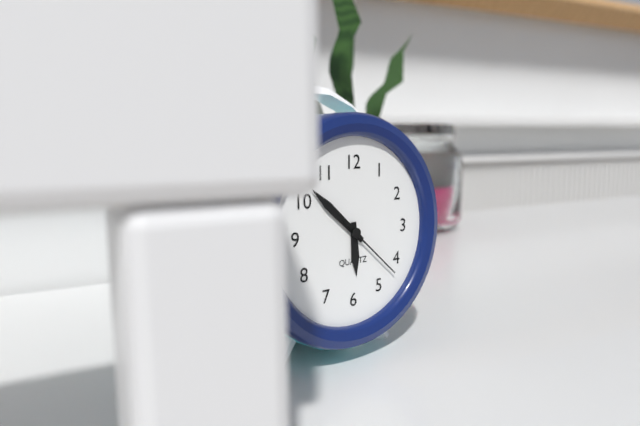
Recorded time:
{"hour": 5, "minute": 52, "second": 22}
